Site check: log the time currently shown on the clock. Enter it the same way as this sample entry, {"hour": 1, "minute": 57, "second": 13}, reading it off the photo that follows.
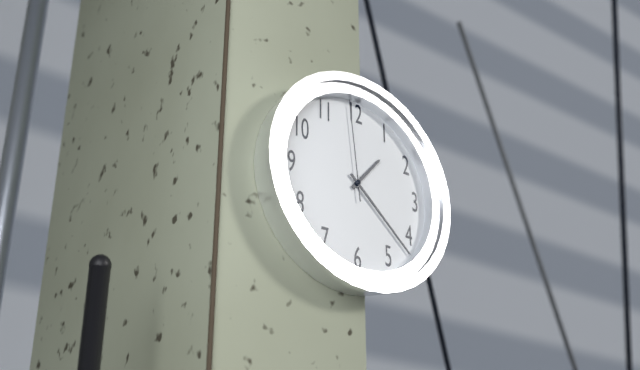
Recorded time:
{"hour": 1, "minute": 22, "second": 59}
